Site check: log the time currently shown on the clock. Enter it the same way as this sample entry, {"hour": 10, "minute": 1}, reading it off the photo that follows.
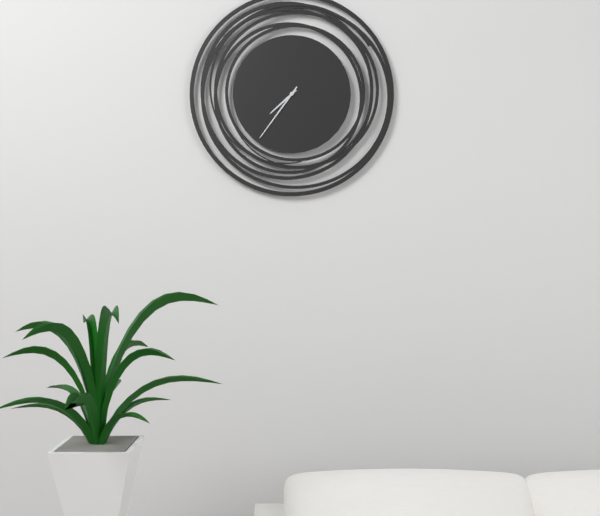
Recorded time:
{"hour": 7, "minute": 36}
